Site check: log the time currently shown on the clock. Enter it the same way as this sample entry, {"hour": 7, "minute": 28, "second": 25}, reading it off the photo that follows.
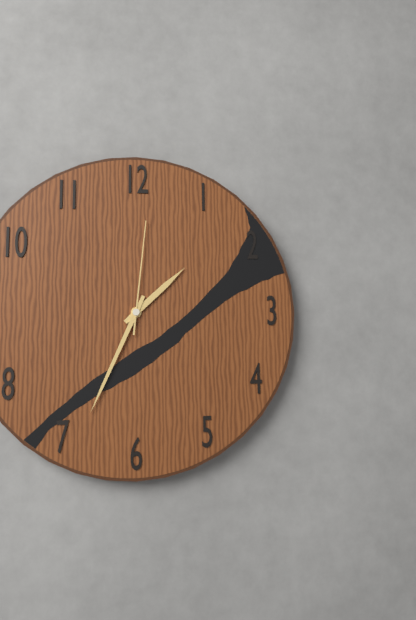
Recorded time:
{"hour": 1, "minute": 34, "second": 1}
